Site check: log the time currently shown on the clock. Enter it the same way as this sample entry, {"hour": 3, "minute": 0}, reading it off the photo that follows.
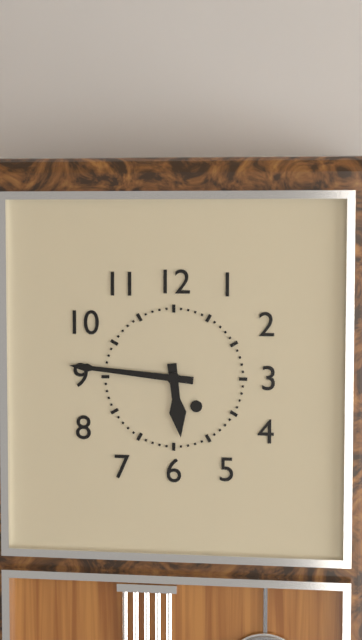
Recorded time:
{"hour": 5, "minute": 46}
